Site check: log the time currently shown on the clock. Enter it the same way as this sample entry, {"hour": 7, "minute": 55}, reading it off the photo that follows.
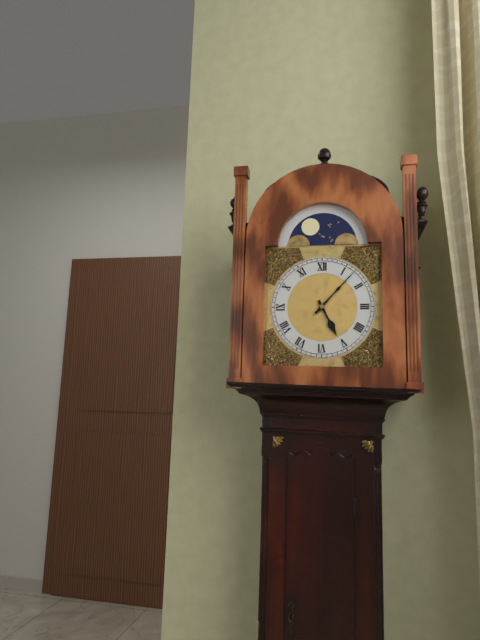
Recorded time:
{"hour": 5, "minute": 7}
